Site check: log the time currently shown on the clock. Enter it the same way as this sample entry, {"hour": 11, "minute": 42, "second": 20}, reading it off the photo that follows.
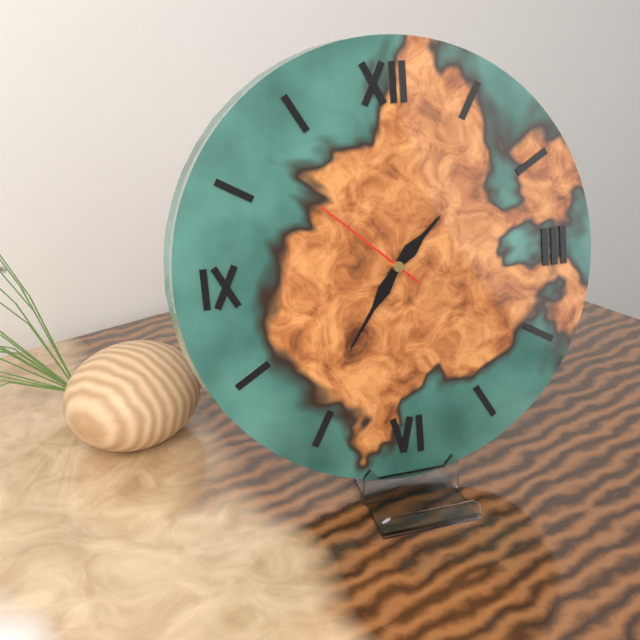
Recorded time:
{"hour": 1, "minute": 36, "second": 52}
